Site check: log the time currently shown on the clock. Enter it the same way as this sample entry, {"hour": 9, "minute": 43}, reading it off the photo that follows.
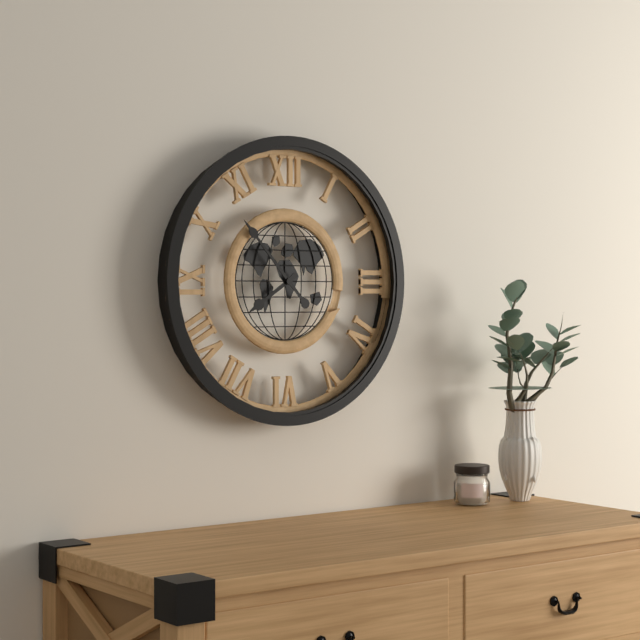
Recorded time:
{"hour": 7, "minute": 53}
